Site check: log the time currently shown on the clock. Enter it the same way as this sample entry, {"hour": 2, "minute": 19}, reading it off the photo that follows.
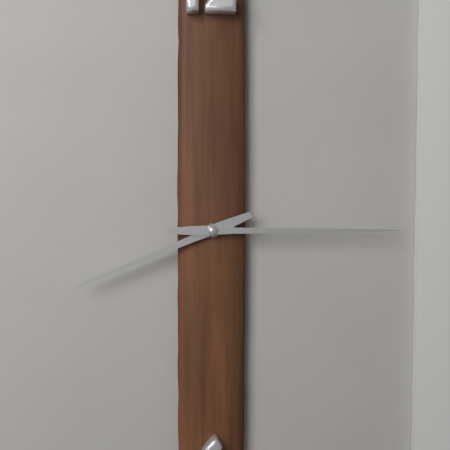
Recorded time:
{"hour": 8, "minute": 15}
